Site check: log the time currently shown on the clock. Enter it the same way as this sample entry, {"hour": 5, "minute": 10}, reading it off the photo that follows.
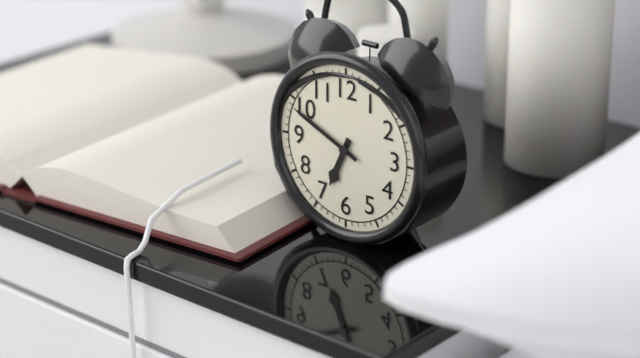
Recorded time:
{"hour": 6, "minute": 49}
